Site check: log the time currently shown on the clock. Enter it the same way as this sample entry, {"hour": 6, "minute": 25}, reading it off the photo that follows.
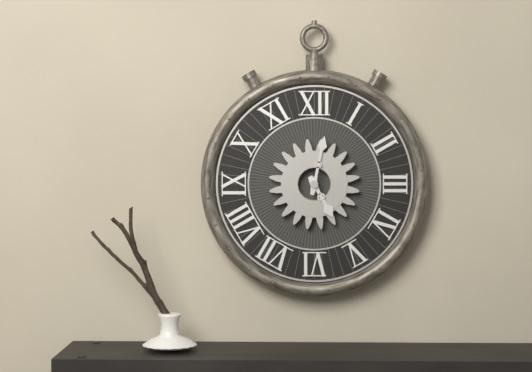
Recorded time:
{"hour": 5, "minute": 2}
